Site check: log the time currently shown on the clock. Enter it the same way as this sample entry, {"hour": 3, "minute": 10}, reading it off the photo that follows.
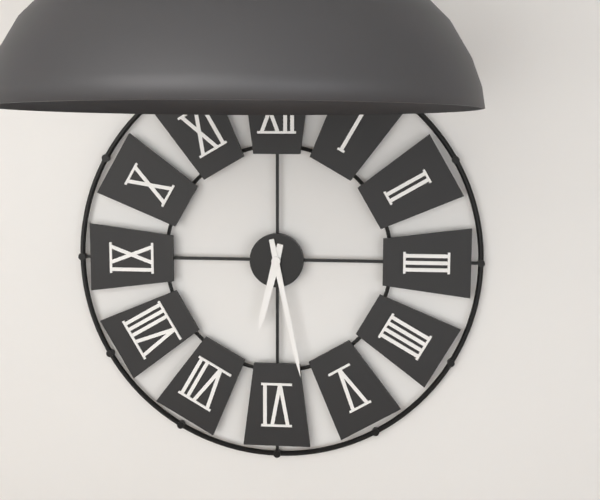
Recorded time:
{"hour": 6, "minute": 28}
